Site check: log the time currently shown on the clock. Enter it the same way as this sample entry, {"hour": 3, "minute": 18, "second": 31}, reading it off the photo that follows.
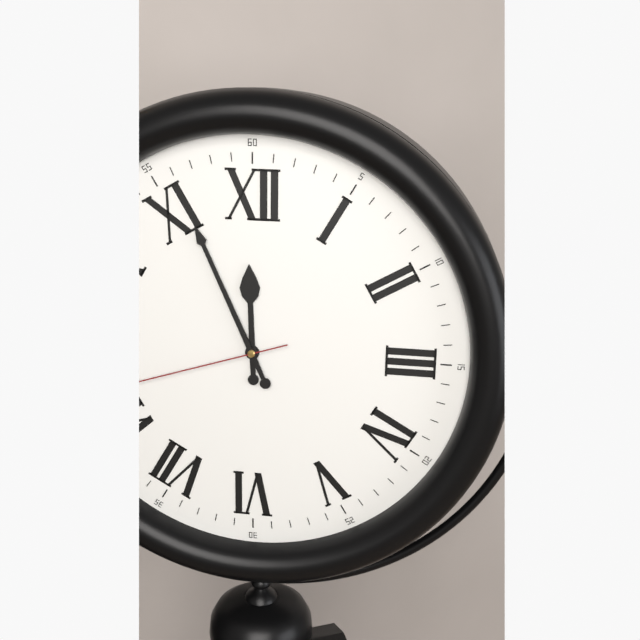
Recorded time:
{"hour": 11, "minute": 56, "second": 42}
